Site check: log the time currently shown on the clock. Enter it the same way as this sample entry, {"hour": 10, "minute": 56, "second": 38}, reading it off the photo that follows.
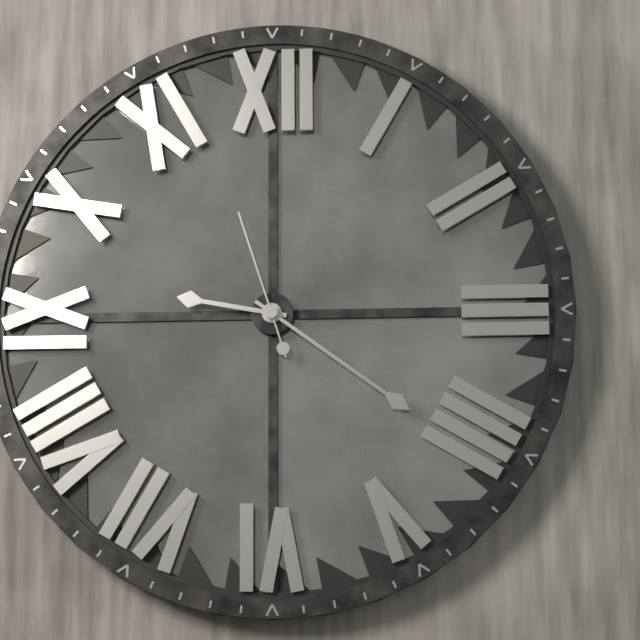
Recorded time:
{"hour": 9, "minute": 21, "second": 57}
